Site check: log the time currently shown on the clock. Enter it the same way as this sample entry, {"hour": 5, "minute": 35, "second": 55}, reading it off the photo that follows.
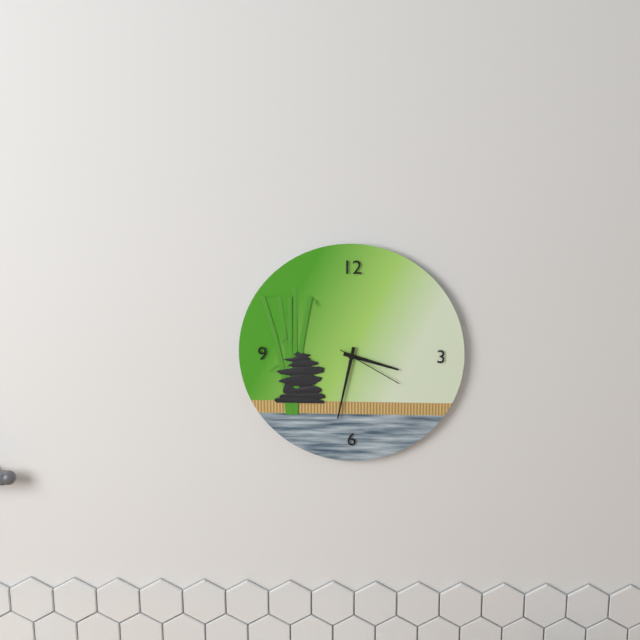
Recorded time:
{"hour": 3, "minute": 32, "second": 20}
